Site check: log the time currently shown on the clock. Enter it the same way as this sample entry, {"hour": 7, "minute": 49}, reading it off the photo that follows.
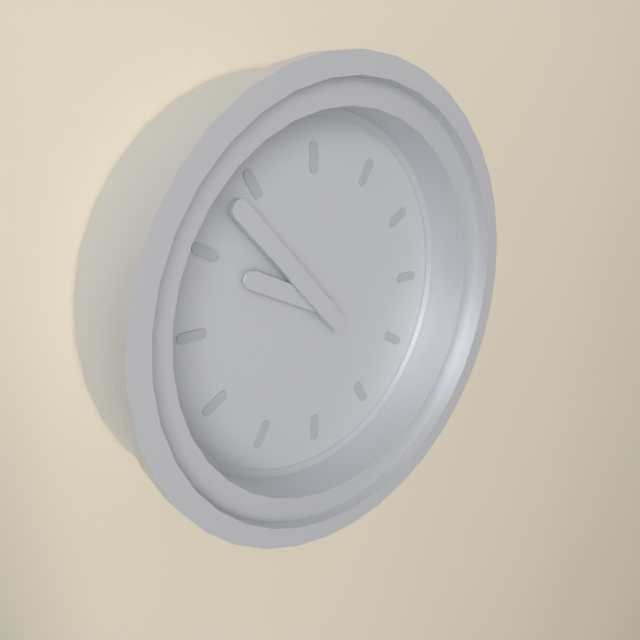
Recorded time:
{"hour": 9, "minute": 53}
